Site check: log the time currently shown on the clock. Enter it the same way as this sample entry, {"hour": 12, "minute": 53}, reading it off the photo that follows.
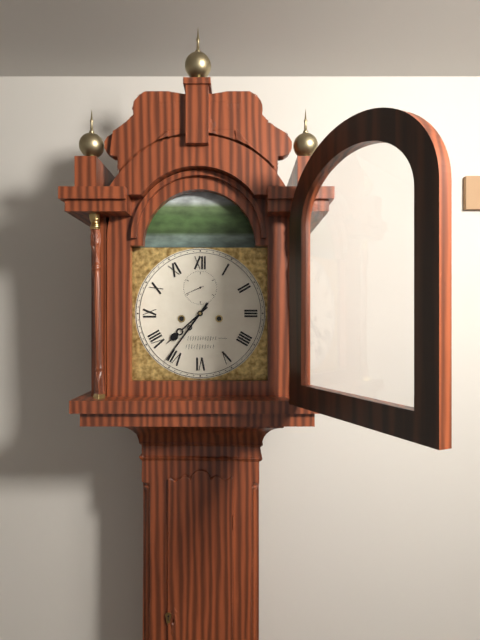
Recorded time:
{"hour": 7, "minute": 36}
